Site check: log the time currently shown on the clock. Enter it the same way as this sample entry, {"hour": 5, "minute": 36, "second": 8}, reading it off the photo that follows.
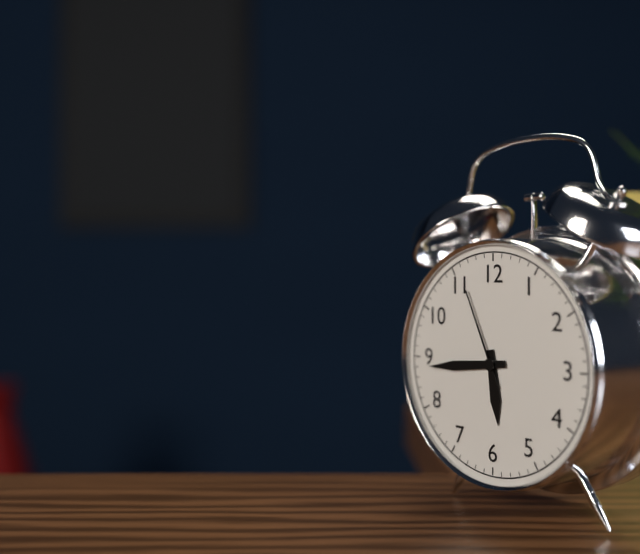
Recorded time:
{"hour": 5, "minute": 44, "second": 56}
